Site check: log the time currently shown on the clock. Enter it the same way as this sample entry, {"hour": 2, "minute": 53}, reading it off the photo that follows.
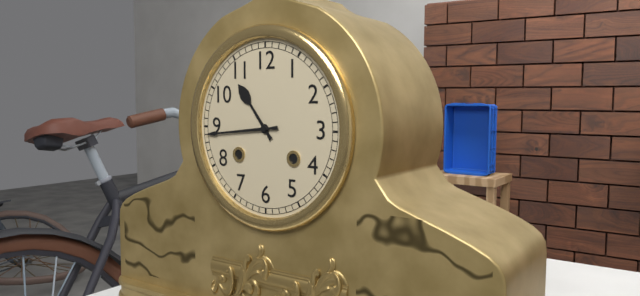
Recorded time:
{"hour": 10, "minute": 44}
